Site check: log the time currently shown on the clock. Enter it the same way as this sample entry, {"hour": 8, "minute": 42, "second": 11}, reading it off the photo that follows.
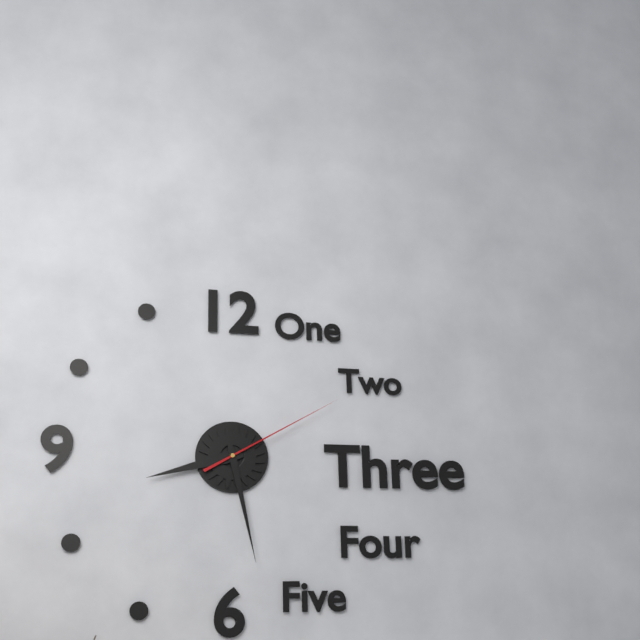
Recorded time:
{"hour": 8, "minute": 28, "second": 10}
